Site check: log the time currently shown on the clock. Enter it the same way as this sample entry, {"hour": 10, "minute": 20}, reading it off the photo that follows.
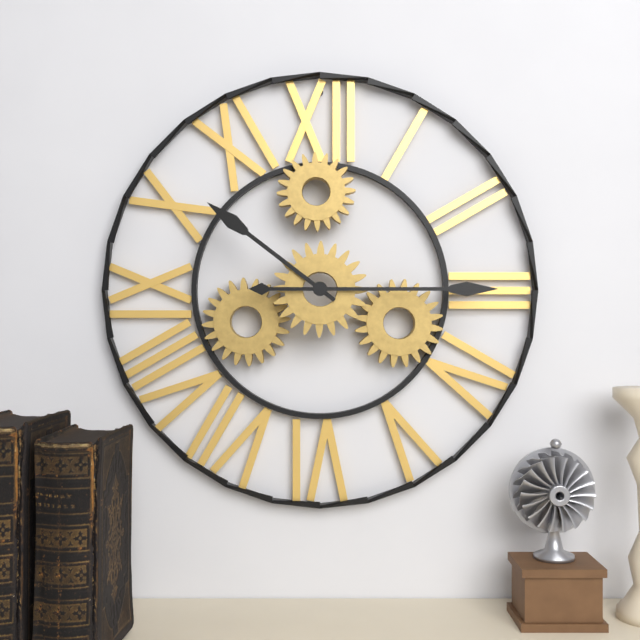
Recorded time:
{"hour": 10, "minute": 15}
